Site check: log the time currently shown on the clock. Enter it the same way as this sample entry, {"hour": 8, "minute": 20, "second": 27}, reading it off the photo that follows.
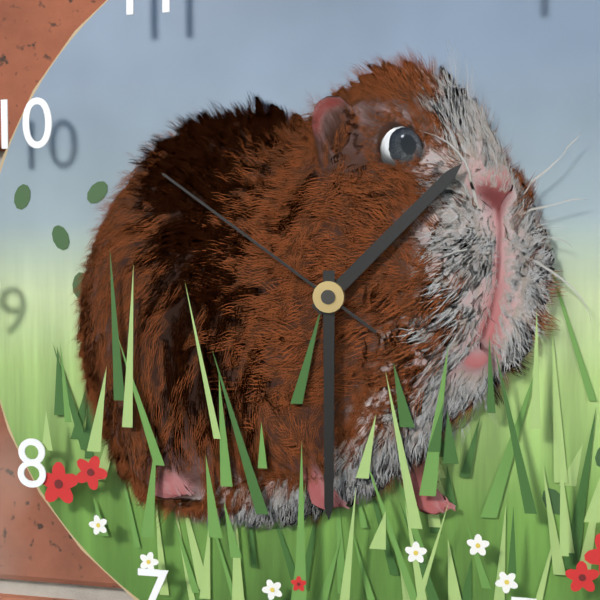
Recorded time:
{"hour": 1, "minute": 30, "second": 51}
